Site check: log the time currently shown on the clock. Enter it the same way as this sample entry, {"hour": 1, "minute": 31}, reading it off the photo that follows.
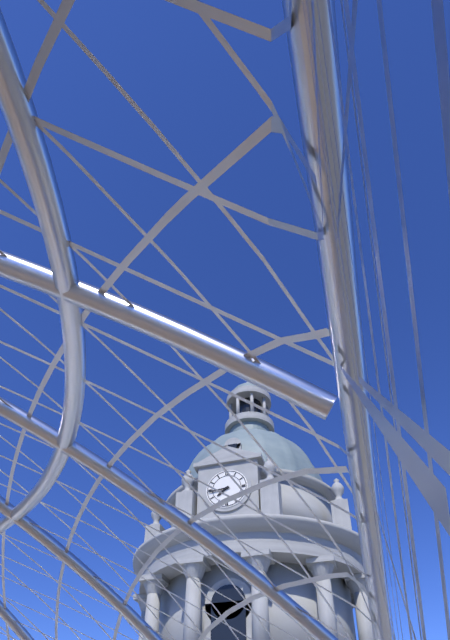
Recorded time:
{"hour": 7, "minute": 44}
